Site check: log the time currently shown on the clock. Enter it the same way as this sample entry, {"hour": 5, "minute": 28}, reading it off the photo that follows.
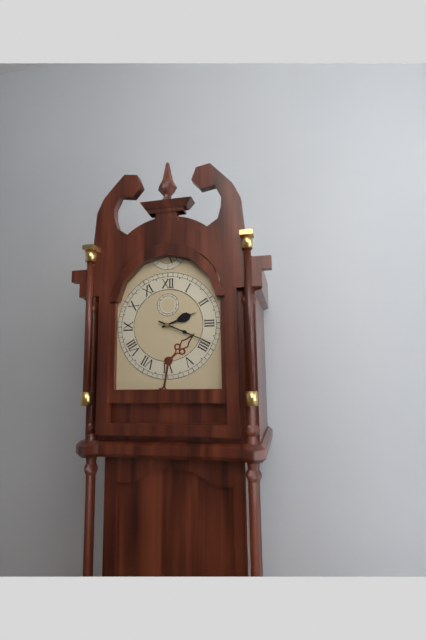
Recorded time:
{"hour": 2, "minute": 19}
